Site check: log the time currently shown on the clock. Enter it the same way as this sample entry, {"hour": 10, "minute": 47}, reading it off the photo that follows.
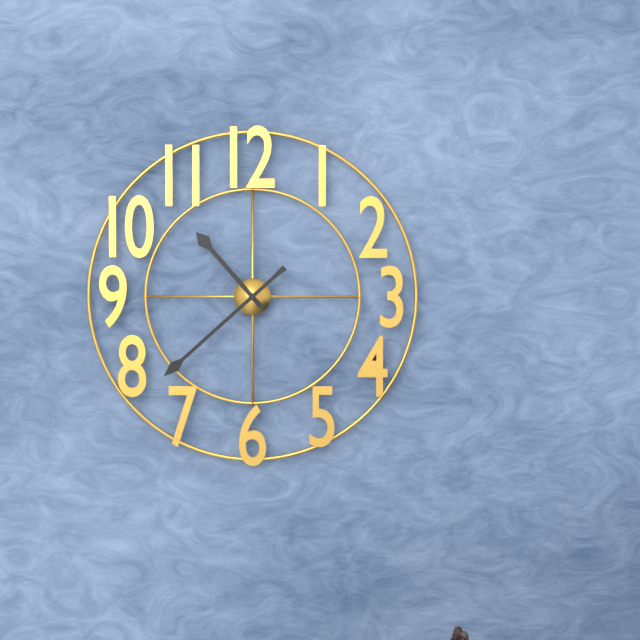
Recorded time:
{"hour": 10, "minute": 38}
